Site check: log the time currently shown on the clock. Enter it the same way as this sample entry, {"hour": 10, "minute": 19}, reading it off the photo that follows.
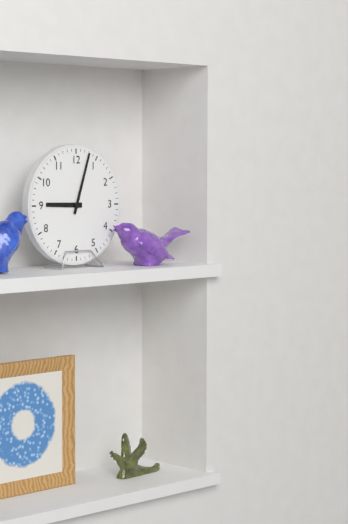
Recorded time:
{"hour": 9, "minute": 3}
